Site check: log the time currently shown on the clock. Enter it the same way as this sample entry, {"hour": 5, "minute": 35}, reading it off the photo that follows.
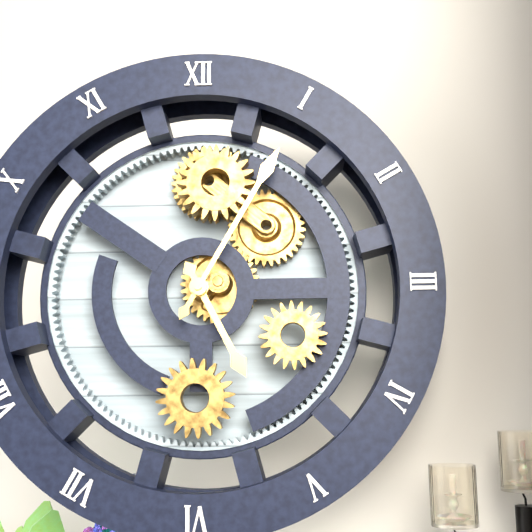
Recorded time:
{"hour": 5, "minute": 5}
